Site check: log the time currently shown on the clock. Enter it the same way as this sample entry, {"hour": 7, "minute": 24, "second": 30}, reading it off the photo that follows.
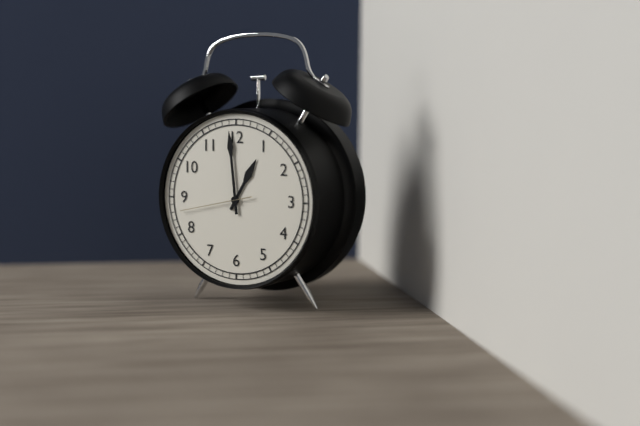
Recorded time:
{"hour": 12, "minute": 59, "second": 43}
